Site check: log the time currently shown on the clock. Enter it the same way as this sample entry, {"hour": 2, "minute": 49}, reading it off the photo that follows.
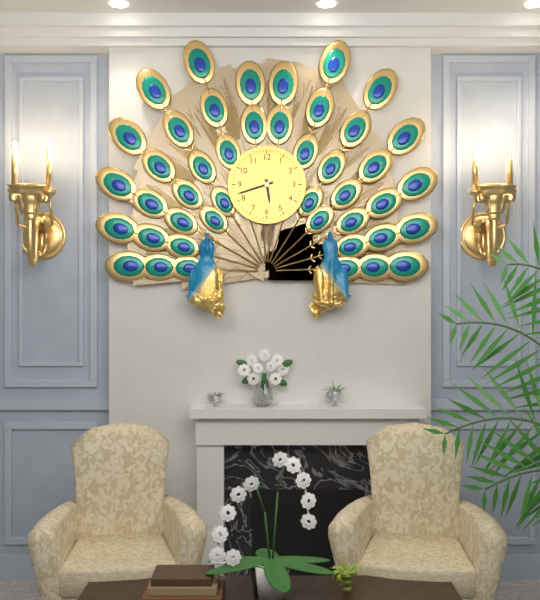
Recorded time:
{"hour": 5, "minute": 42}
